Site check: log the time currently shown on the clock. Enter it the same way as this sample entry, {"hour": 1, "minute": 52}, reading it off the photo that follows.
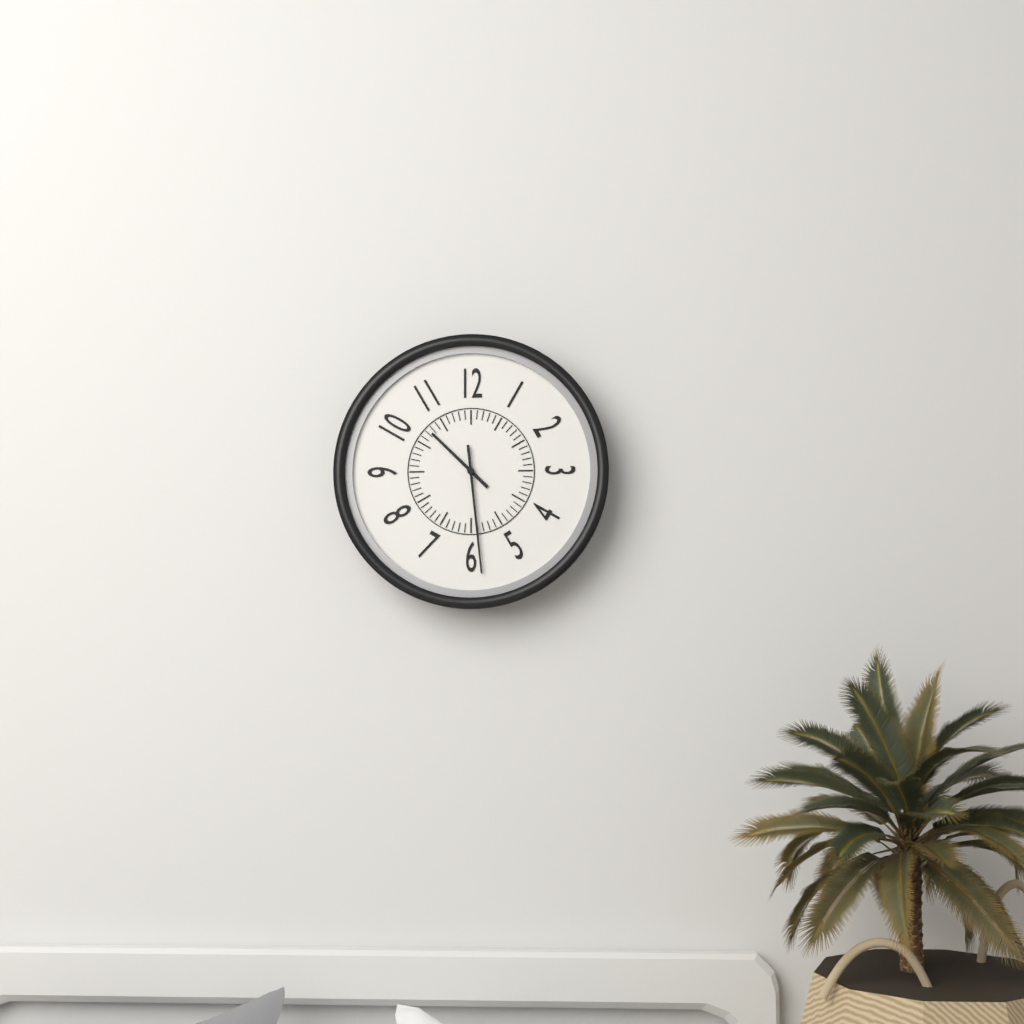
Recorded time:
{"hour": 10, "minute": 29}
